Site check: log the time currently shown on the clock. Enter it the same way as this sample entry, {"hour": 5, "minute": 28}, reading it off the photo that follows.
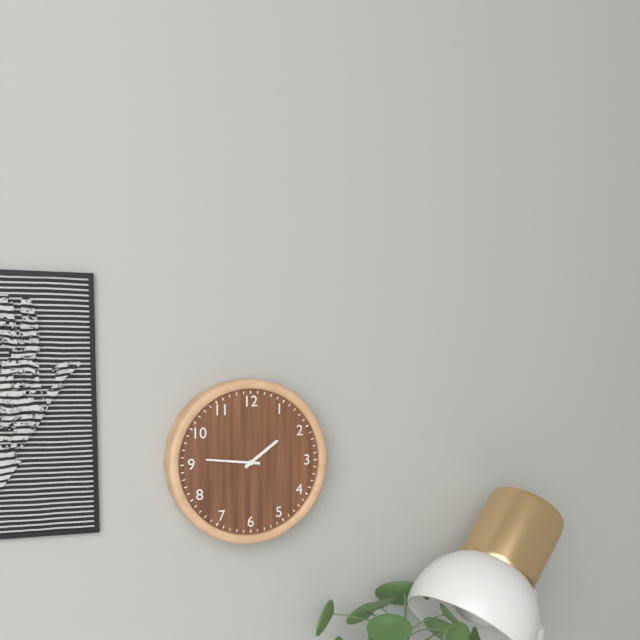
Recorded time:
{"hour": 1, "minute": 46}
